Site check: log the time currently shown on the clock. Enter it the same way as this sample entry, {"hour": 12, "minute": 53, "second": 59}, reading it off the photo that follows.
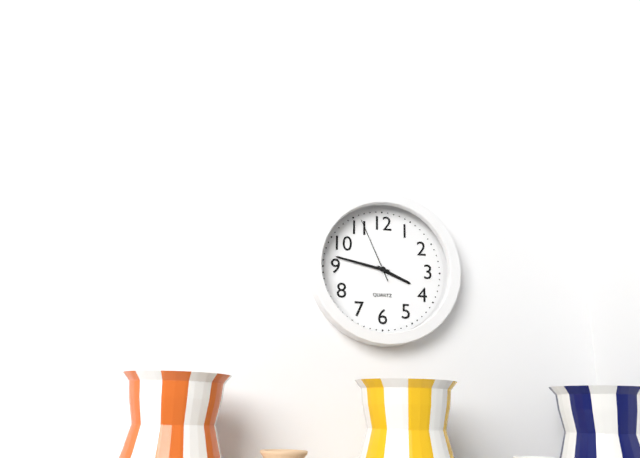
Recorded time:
{"hour": 3, "minute": 47, "second": 56}
